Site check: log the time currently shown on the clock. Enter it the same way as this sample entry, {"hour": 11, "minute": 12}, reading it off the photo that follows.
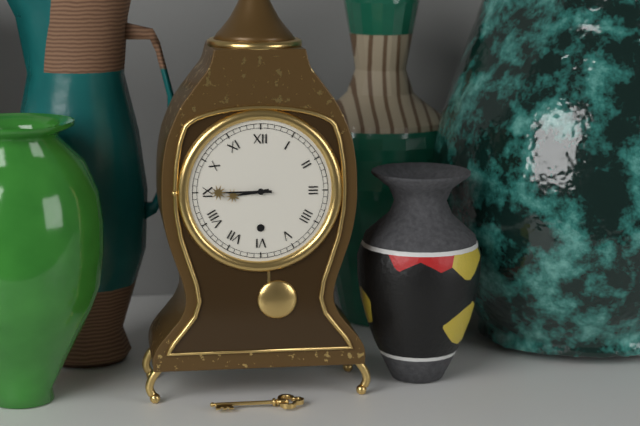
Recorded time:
{"hour": 8, "minute": 45}
